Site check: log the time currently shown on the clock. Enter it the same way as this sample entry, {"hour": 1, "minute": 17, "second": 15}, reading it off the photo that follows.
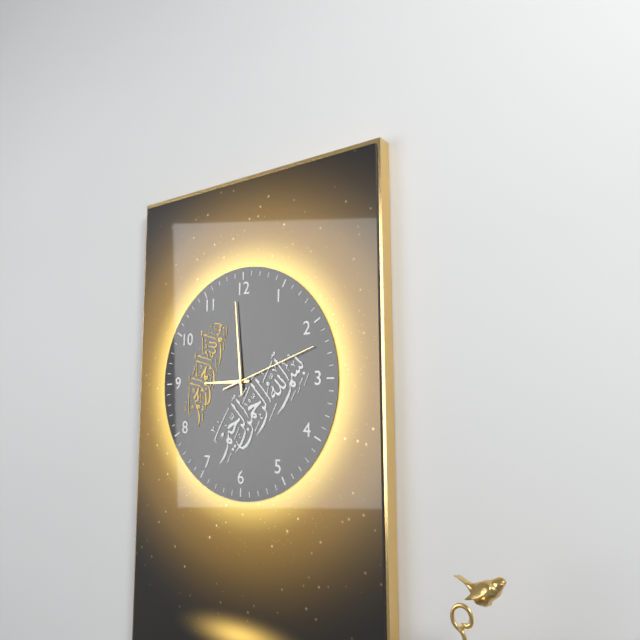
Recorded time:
{"hour": 8, "minute": 59, "second": 12}
